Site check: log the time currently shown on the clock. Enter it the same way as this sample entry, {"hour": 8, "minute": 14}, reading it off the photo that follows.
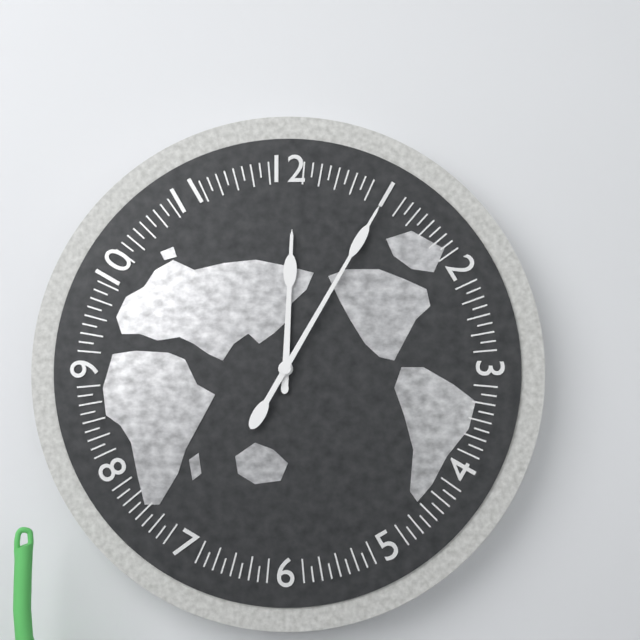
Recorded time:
{"hour": 12, "minute": 5}
